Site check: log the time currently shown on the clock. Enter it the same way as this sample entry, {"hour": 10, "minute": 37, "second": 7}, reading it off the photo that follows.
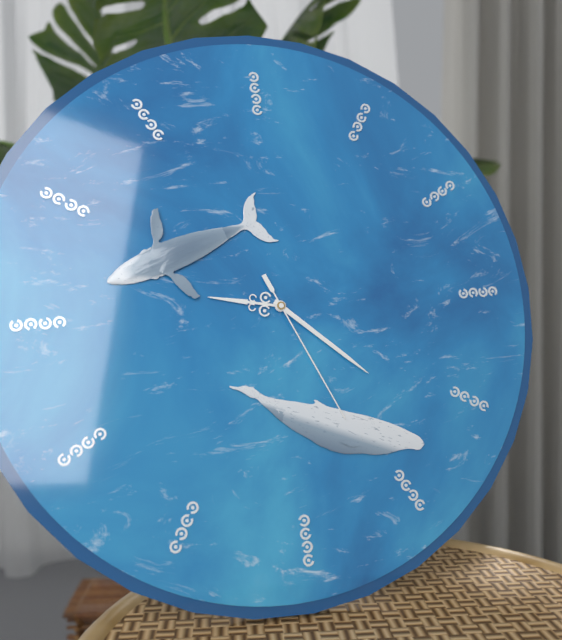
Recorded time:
{"hour": 9, "minute": 22, "second": 26}
